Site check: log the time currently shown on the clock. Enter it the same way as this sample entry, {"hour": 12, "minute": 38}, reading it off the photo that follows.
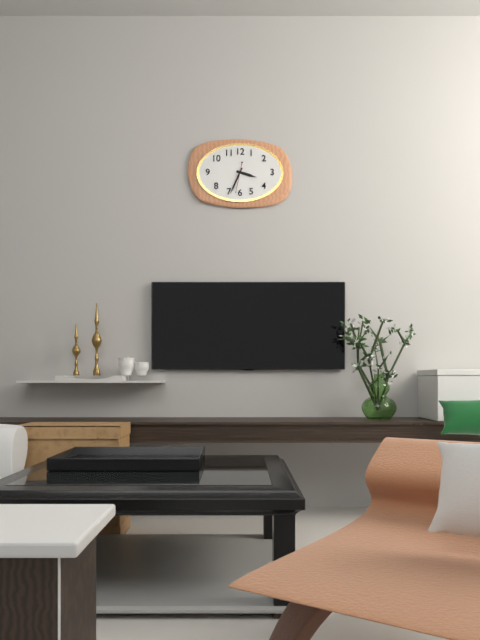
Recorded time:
{"hour": 3, "minute": 34}
